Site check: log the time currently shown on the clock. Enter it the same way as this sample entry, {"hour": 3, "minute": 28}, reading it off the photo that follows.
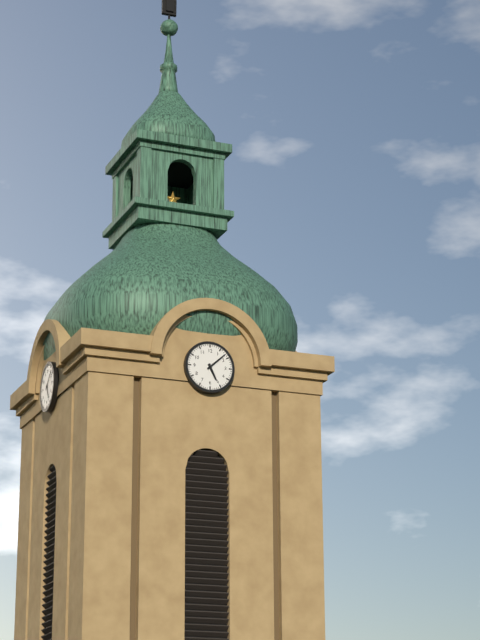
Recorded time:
{"hour": 5, "minute": 8}
